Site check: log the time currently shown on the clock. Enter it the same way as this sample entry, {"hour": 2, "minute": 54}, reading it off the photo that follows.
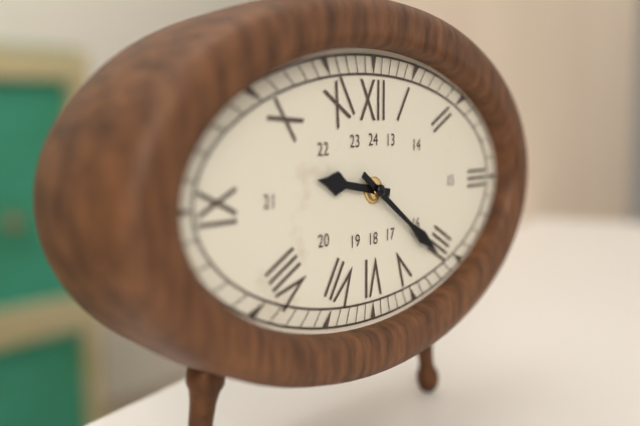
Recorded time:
{"hour": 9, "minute": 21}
